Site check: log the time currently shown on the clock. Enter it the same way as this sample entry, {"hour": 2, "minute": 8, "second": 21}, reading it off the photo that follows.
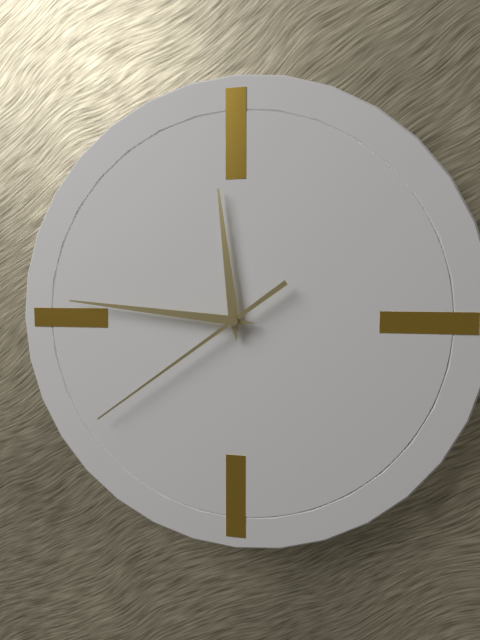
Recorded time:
{"hour": 11, "minute": 46, "second": 39}
